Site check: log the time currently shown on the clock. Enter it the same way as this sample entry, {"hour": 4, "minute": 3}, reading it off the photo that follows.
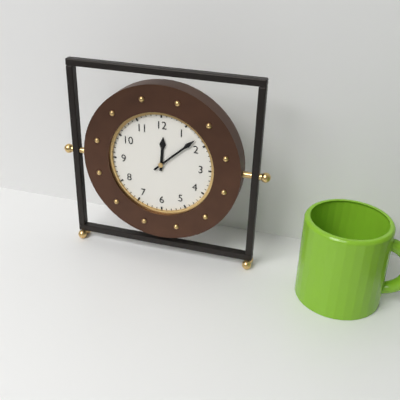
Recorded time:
{"hour": 12, "minute": 8}
